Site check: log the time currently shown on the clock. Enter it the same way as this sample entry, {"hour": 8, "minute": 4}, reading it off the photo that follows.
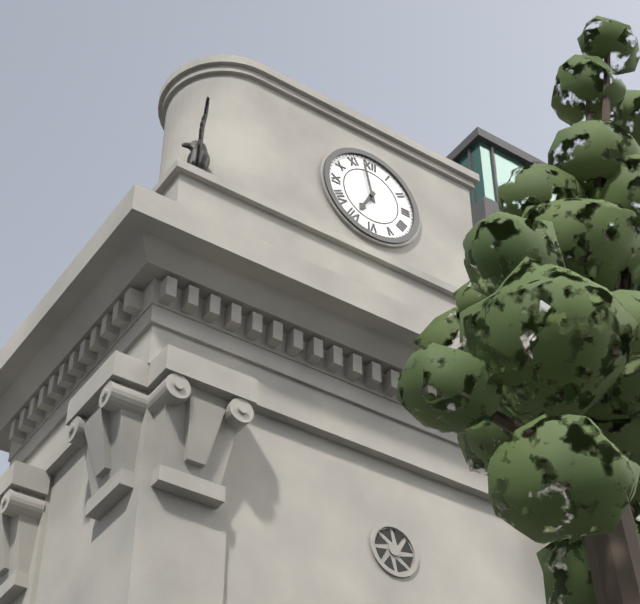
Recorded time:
{"hour": 6, "minute": 58}
